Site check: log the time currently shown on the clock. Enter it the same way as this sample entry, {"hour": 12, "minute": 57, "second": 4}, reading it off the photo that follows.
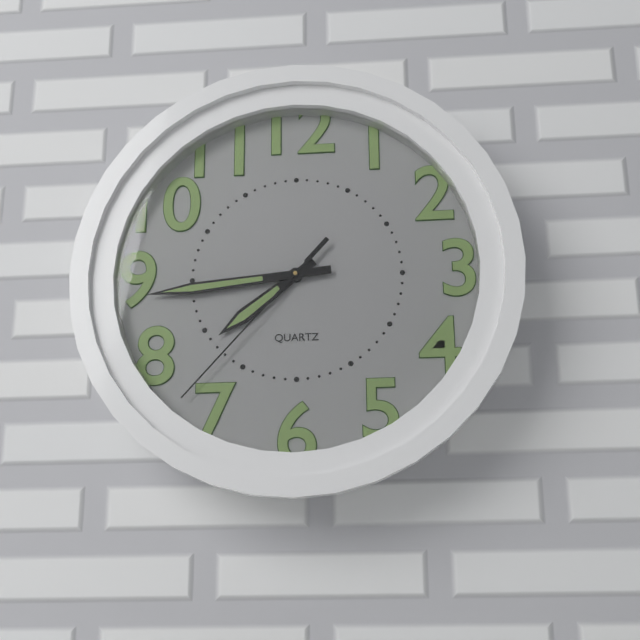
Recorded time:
{"hour": 7, "minute": 44, "second": 37}
